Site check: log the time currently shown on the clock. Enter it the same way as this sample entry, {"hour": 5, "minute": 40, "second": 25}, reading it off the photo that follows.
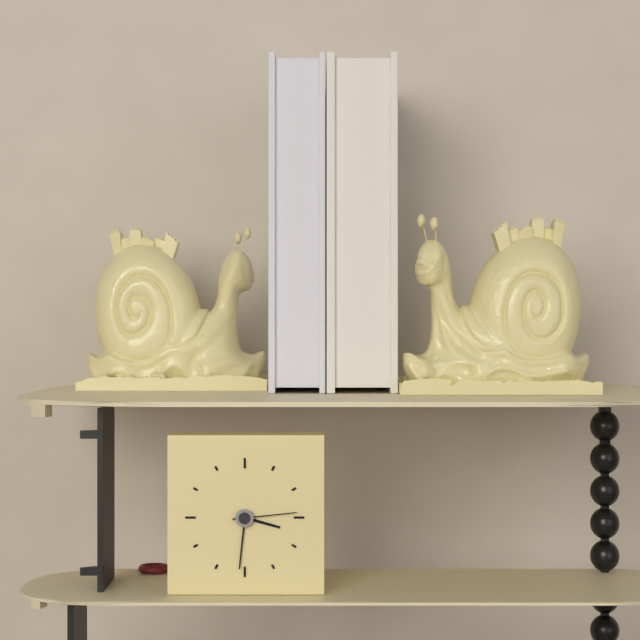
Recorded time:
{"hour": 3, "minute": 31, "second": 14}
